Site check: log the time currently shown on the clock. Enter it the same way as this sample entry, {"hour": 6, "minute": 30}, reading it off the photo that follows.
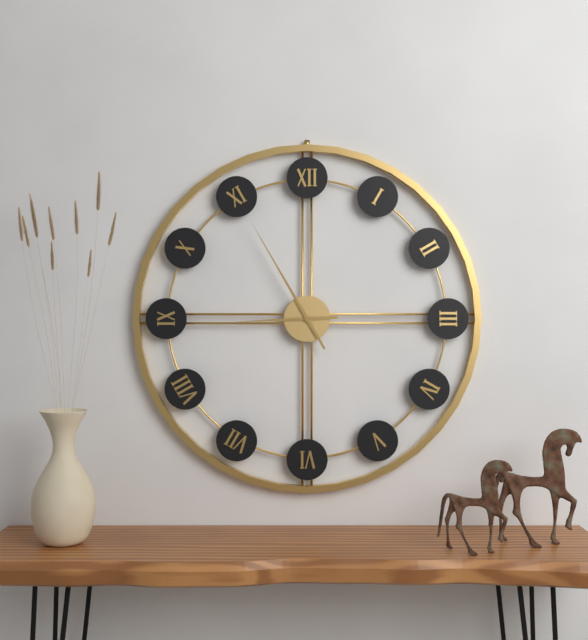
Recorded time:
{"hour": 8, "minute": 55}
